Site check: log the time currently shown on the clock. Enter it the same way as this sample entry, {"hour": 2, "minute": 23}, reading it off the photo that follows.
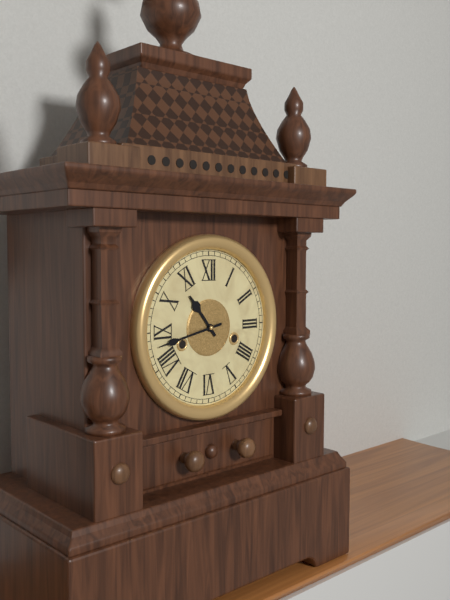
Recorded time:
{"hour": 10, "minute": 43}
